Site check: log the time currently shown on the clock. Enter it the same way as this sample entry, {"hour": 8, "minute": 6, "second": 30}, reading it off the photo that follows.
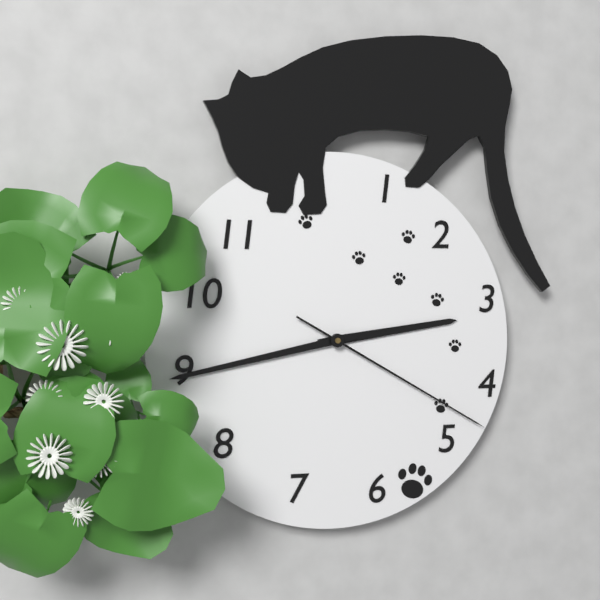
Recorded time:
{"hour": 2, "minute": 43, "second": 20}
